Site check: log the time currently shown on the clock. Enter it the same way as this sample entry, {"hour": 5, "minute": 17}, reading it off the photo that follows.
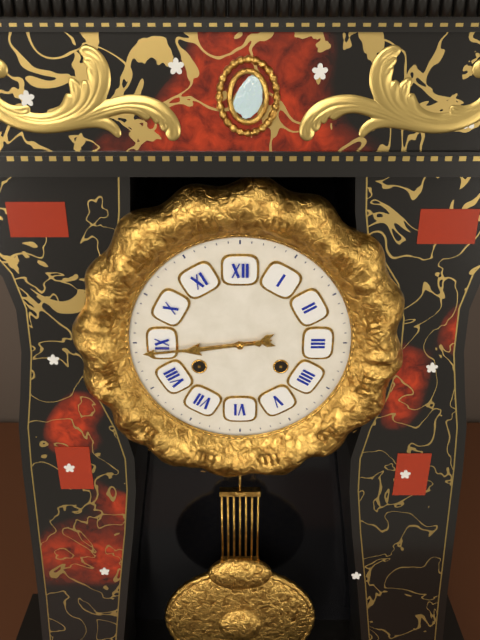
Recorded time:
{"hour": 8, "minute": 44}
